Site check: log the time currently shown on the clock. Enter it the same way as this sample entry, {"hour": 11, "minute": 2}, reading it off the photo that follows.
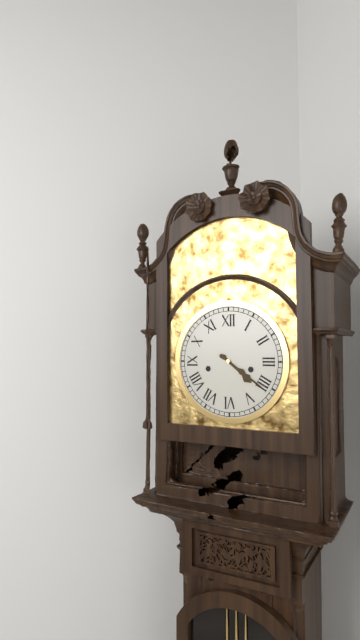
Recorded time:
{"hour": 4, "minute": 21}
